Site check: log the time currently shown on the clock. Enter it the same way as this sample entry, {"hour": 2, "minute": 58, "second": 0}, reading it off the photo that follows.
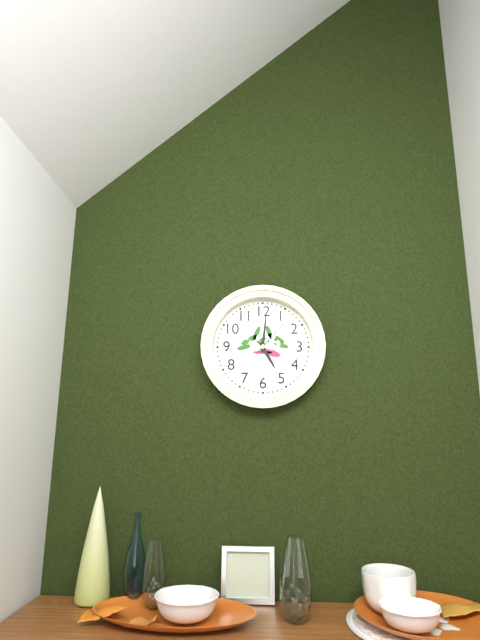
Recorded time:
{"hour": 5, "minute": 1, "second": 7}
